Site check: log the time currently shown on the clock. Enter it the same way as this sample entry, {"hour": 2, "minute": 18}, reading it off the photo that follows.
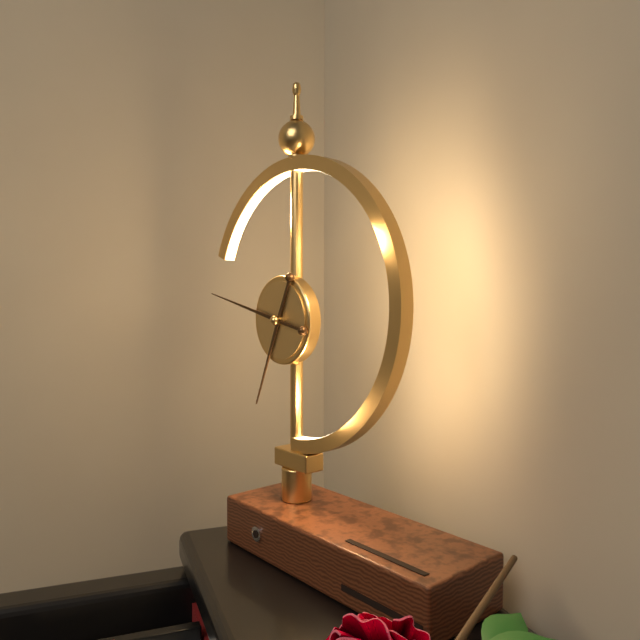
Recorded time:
{"hour": 6, "minute": 47}
